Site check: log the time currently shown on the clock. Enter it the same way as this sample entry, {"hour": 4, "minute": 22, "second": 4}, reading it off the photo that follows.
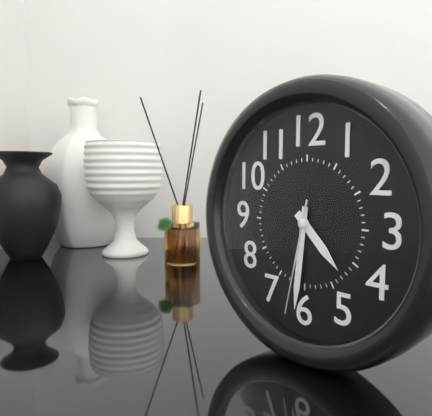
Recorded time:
{"hour": 4, "minute": 31, "second": 32}
